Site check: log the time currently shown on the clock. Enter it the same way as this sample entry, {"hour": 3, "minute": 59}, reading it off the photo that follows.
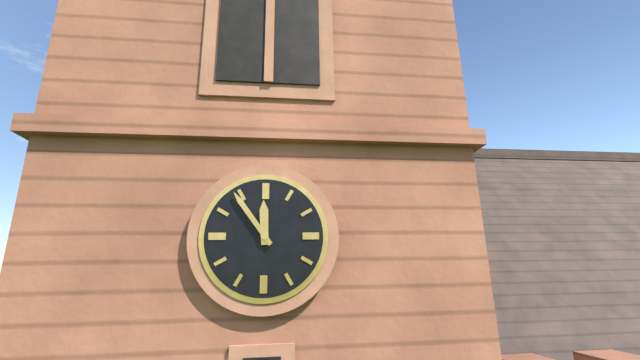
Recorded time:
{"hour": 11, "minute": 54}
